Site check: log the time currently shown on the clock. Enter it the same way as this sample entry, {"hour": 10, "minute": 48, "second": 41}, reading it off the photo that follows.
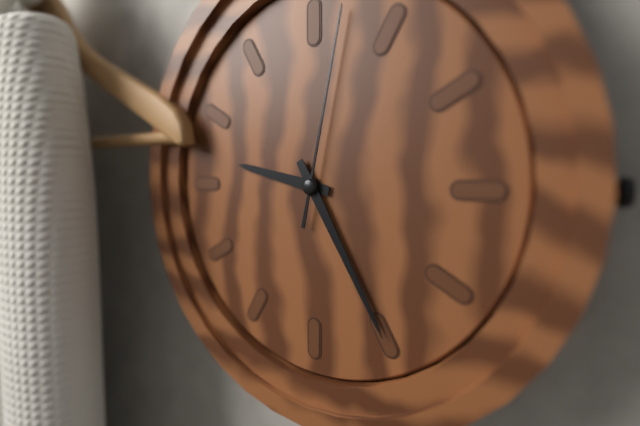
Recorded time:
{"hour": 9, "minute": 25, "second": 2}
